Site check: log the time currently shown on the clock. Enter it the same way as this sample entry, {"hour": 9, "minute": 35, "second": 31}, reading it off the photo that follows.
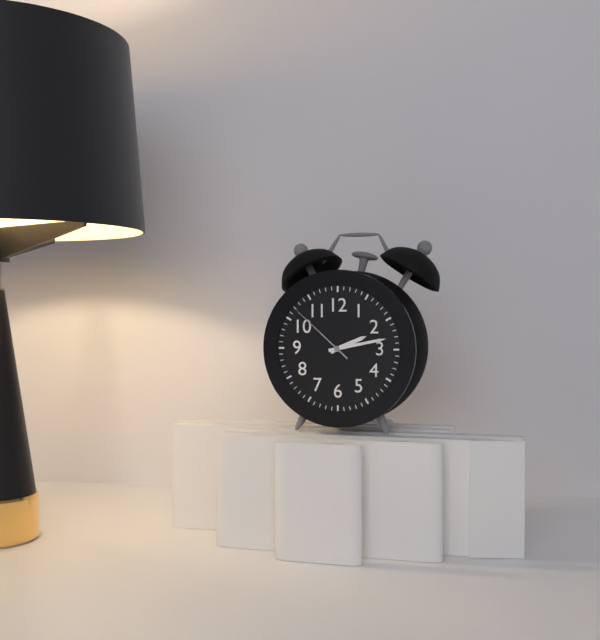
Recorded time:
{"hour": 2, "minute": 13, "second": 52}
